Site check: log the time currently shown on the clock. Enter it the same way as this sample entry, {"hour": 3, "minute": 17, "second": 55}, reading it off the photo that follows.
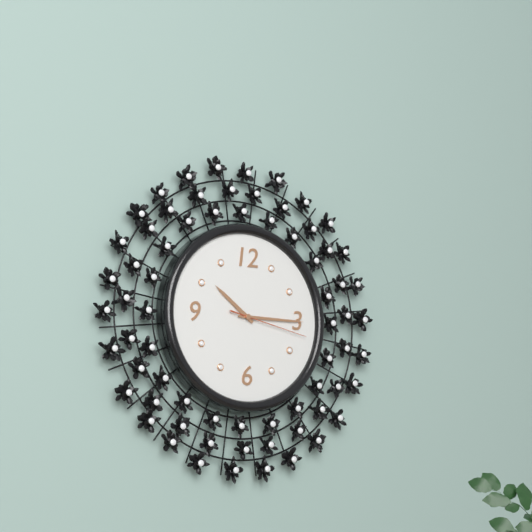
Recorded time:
{"hour": 10, "minute": 15, "second": 17}
